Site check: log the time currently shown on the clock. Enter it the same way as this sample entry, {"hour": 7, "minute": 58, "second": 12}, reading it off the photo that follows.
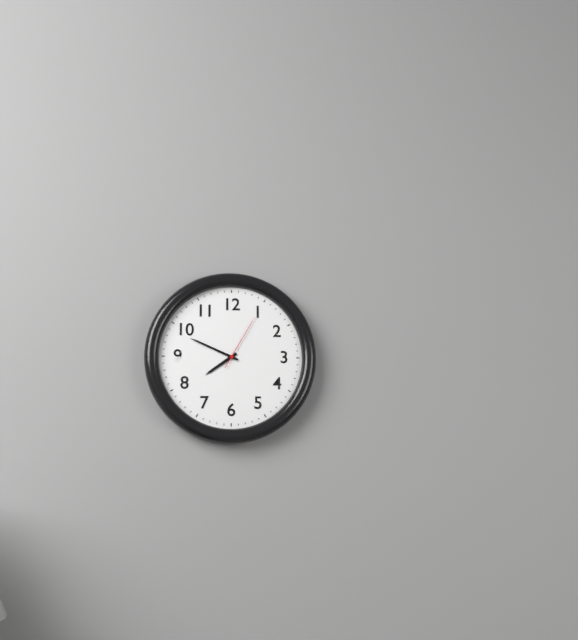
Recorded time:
{"hour": 7, "minute": 49, "second": 5}
